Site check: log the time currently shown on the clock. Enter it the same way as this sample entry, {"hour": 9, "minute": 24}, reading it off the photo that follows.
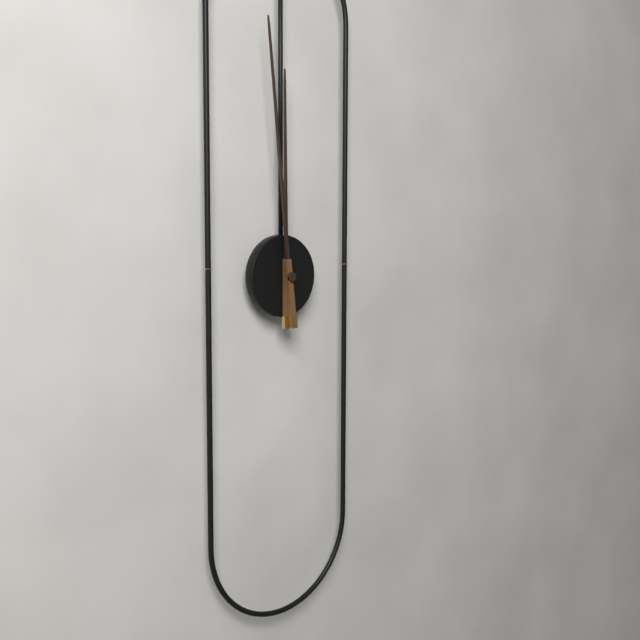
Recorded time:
{"hour": 11, "minute": 59}
